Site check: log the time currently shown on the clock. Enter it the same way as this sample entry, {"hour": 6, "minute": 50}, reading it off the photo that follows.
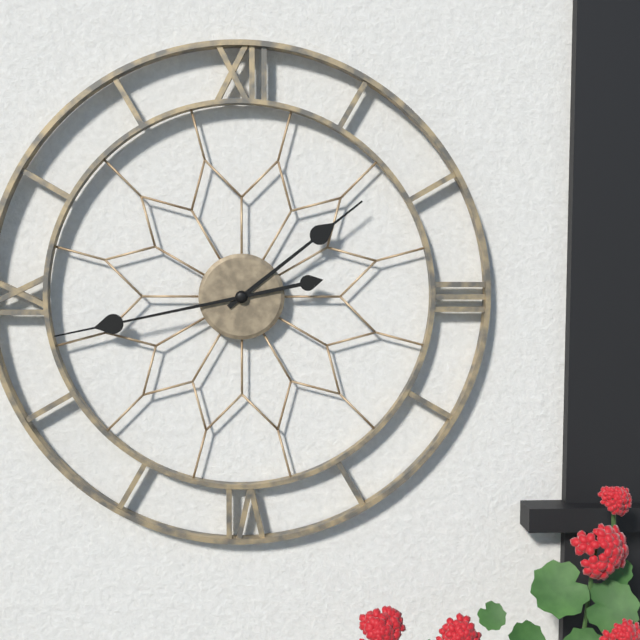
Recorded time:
{"hour": 1, "minute": 43}
